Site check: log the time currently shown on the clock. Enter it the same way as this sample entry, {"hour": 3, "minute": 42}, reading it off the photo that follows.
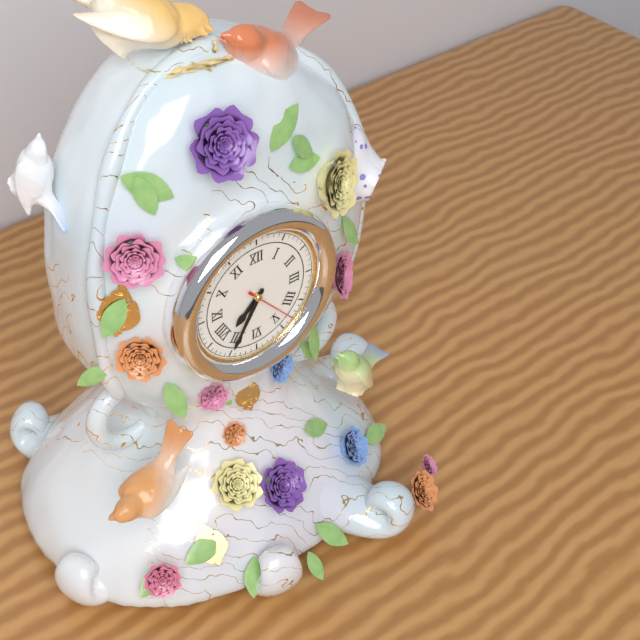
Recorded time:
{"hour": 7, "minute": 35}
